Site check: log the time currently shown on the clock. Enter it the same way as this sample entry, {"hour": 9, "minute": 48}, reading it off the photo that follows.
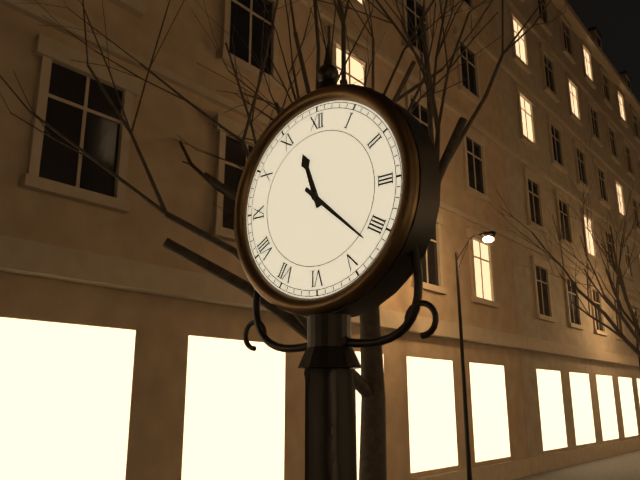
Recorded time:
{"hour": 11, "minute": 22}
